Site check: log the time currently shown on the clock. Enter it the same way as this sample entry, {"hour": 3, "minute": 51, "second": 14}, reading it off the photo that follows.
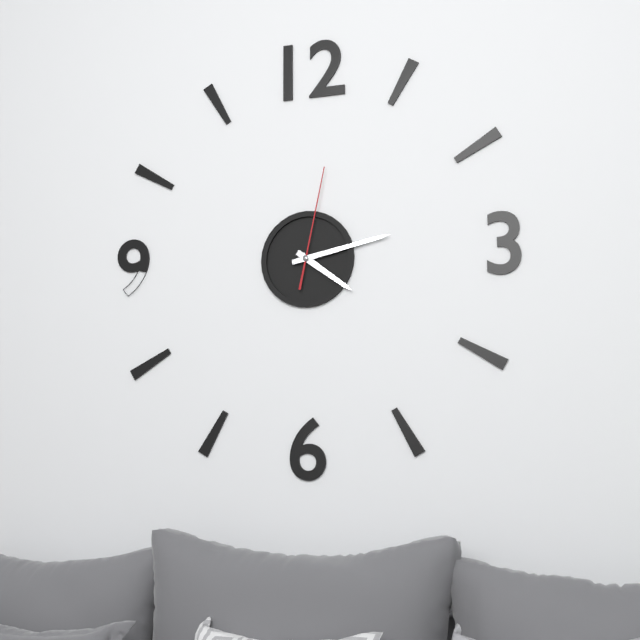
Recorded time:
{"hour": 4, "minute": 13, "second": 2}
